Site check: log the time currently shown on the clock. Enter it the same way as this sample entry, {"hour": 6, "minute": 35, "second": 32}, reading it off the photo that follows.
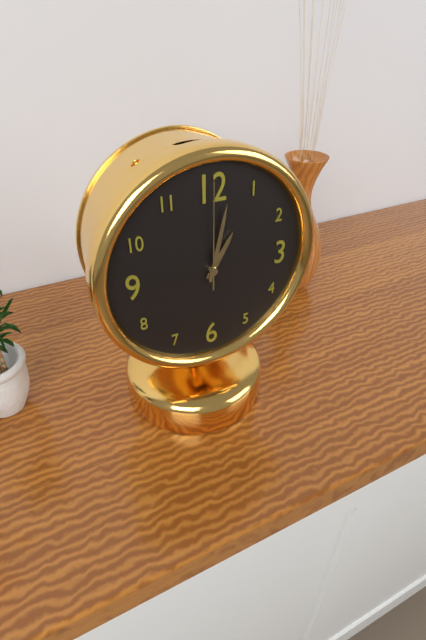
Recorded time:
{"hour": 1, "minute": 2, "second": 0}
